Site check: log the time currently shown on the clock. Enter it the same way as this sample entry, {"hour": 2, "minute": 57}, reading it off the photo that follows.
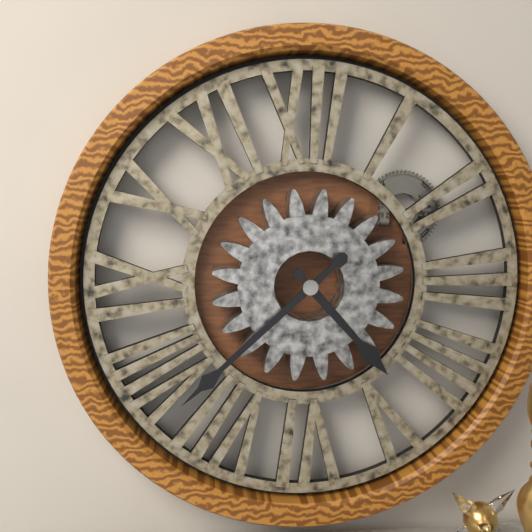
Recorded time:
{"hour": 4, "minute": 38}
